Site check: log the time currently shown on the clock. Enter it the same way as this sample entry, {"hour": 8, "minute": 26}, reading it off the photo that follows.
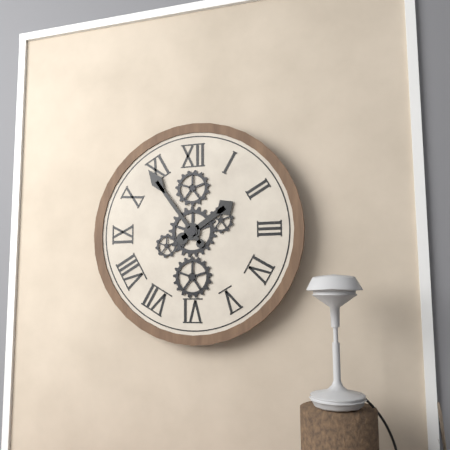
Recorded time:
{"hour": 1, "minute": 54}
